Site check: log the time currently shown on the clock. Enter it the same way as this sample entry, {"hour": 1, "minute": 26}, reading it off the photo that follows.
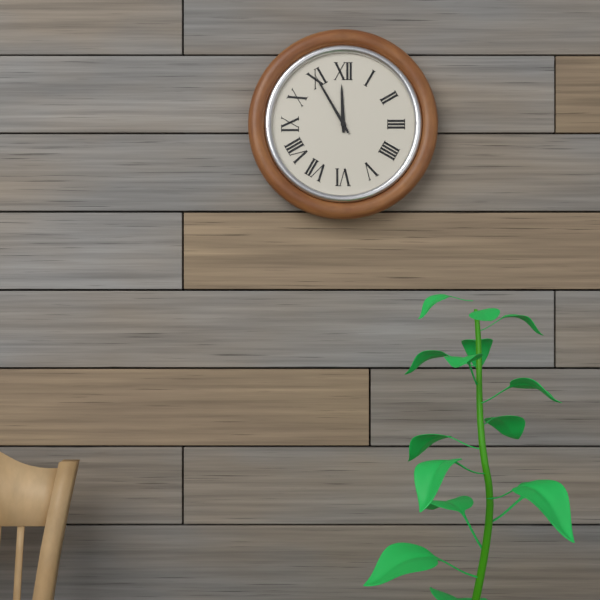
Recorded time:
{"hour": 11, "minute": 55}
